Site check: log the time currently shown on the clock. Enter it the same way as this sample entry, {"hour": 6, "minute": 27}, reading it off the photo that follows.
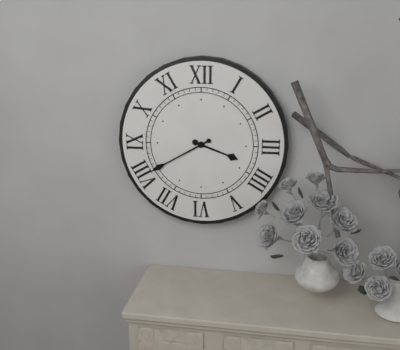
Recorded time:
{"hour": 3, "minute": 40}
